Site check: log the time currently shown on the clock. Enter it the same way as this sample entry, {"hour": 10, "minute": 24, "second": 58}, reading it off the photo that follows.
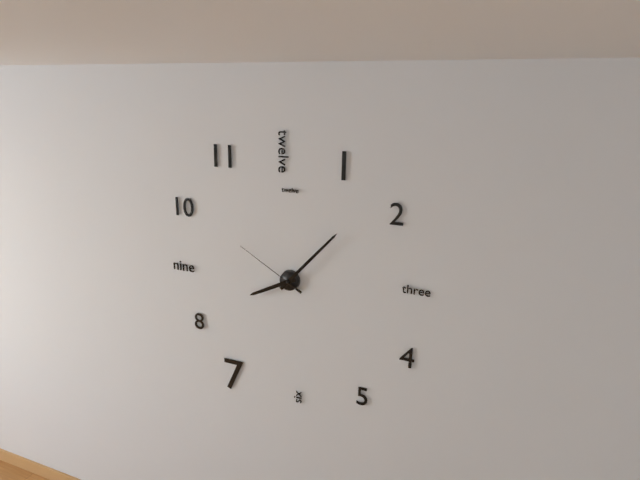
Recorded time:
{"hour": 8, "minute": 7, "second": 50}
